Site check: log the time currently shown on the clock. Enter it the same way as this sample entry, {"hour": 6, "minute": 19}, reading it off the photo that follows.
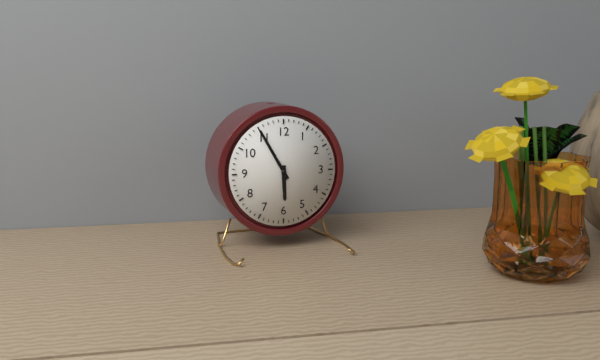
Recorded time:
{"hour": 5, "minute": 55}
